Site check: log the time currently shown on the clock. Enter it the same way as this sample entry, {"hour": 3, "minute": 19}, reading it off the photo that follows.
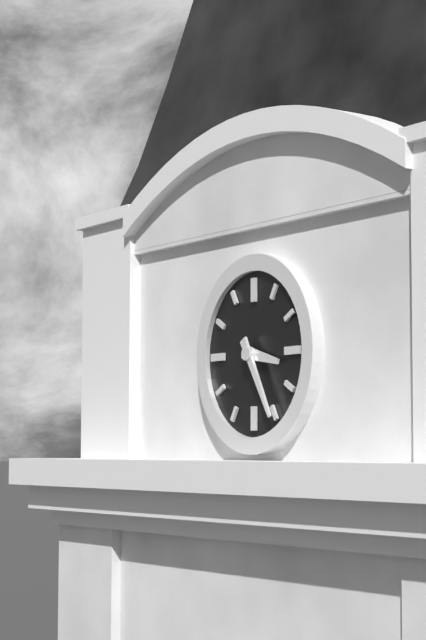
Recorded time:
{"hour": 3, "minute": 25}
